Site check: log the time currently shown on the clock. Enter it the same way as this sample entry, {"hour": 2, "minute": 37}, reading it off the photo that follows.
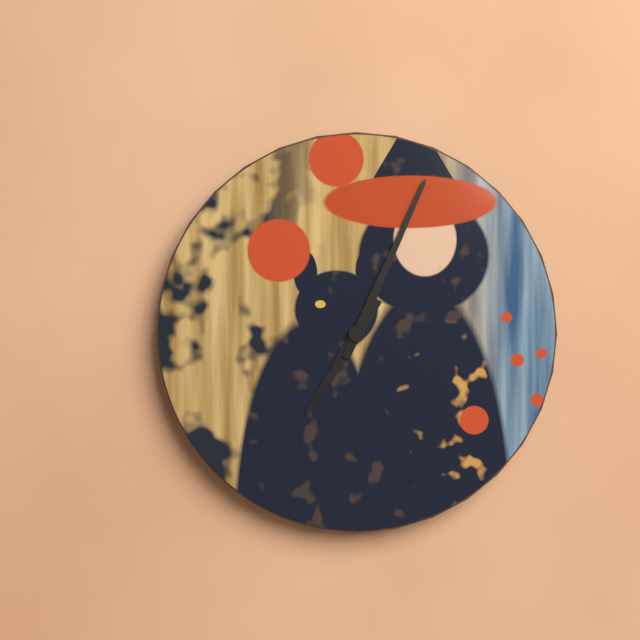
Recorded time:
{"hour": 7, "minute": 4}
